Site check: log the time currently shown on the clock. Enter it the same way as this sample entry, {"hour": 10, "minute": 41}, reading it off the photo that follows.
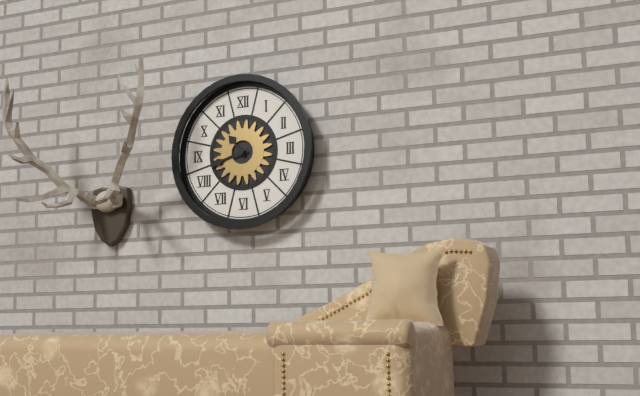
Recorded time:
{"hour": 10, "minute": 42}
